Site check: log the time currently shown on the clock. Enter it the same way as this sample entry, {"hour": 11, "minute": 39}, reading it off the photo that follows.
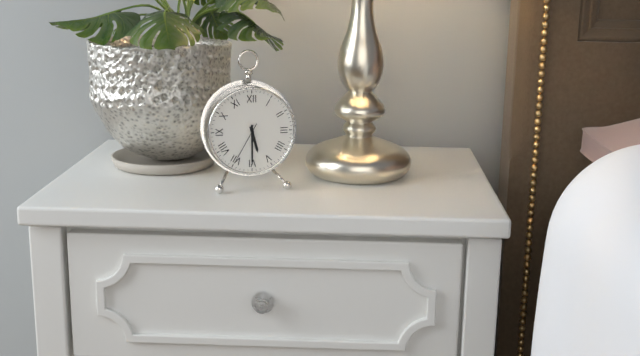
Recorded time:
{"hour": 5, "minute": 30}
